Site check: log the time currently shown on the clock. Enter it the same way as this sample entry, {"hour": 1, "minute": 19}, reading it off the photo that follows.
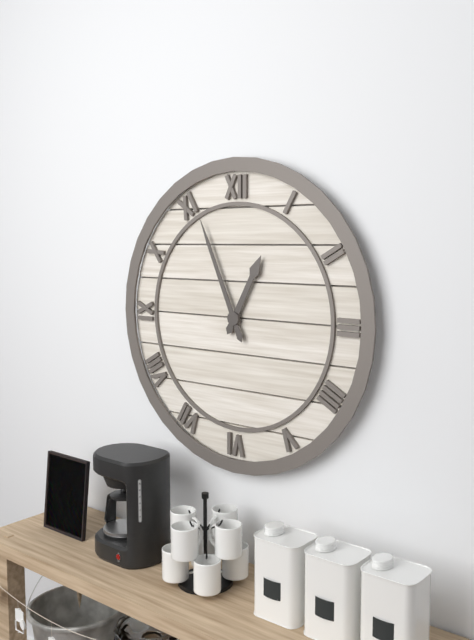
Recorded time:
{"hour": 12, "minute": 56}
